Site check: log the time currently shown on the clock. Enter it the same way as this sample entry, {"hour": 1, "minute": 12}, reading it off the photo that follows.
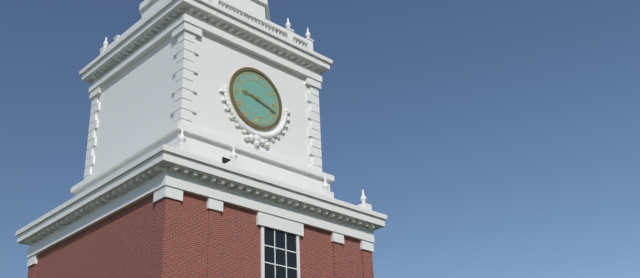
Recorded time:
{"hour": 9, "minute": 18}
